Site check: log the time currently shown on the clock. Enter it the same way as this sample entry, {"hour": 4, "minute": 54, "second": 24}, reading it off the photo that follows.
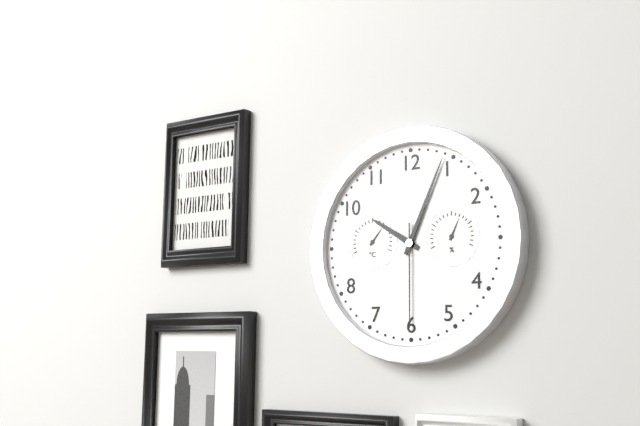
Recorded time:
{"hour": 10, "minute": 4, "second": 30}
